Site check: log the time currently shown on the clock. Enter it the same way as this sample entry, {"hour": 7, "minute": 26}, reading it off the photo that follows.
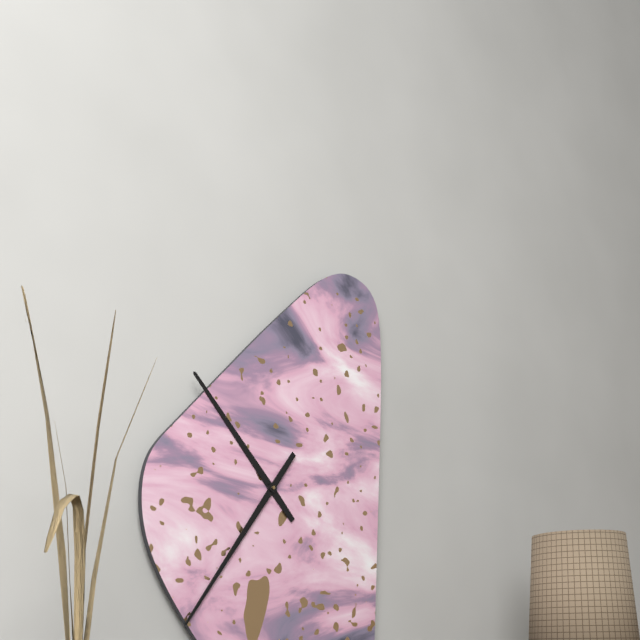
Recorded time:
{"hour": 10, "minute": 36}
